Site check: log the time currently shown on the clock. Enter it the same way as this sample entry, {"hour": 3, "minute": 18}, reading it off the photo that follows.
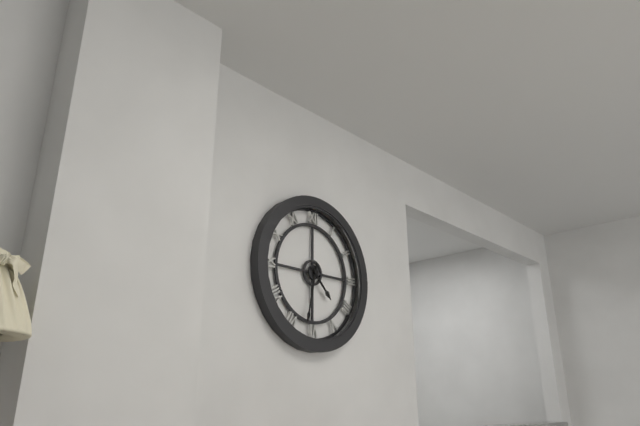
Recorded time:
{"hour": 4, "minute": 32}
